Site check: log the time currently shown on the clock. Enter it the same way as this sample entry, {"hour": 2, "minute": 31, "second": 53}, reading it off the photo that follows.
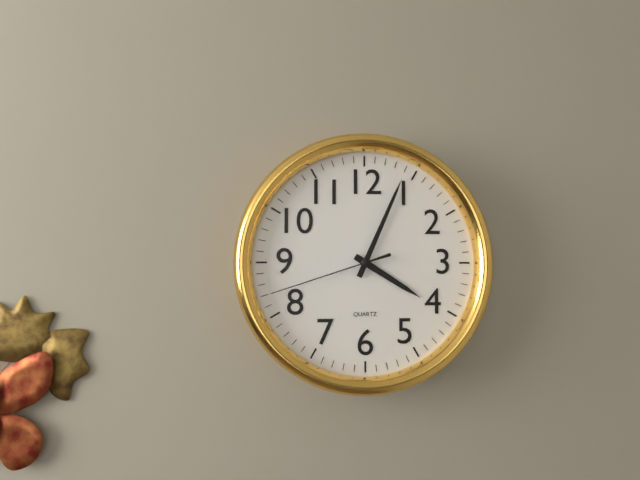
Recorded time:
{"hour": 4, "minute": 4, "second": 42}
